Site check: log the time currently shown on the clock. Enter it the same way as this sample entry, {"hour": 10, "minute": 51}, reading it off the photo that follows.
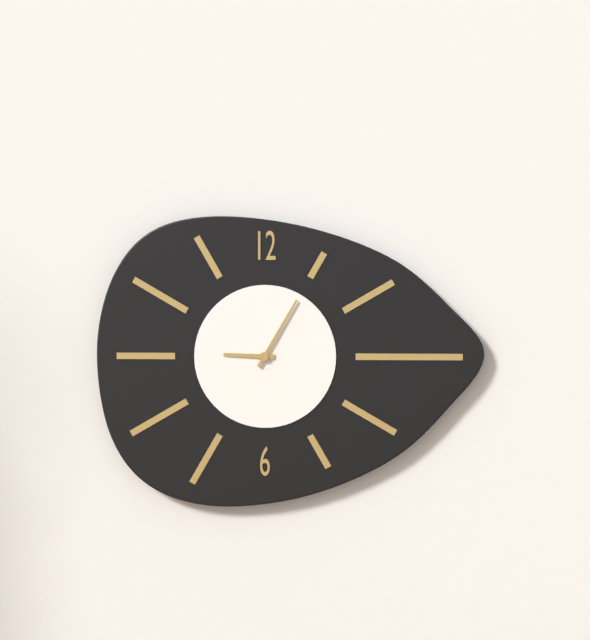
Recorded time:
{"hour": 9, "minute": 5}
